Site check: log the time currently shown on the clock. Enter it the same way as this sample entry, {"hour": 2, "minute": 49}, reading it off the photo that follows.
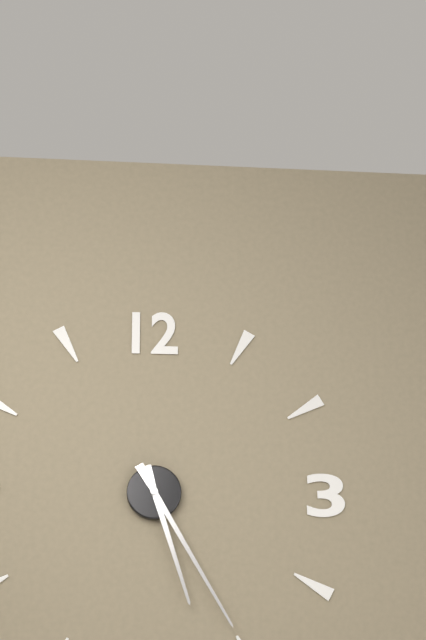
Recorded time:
{"hour": 5, "minute": 25}
